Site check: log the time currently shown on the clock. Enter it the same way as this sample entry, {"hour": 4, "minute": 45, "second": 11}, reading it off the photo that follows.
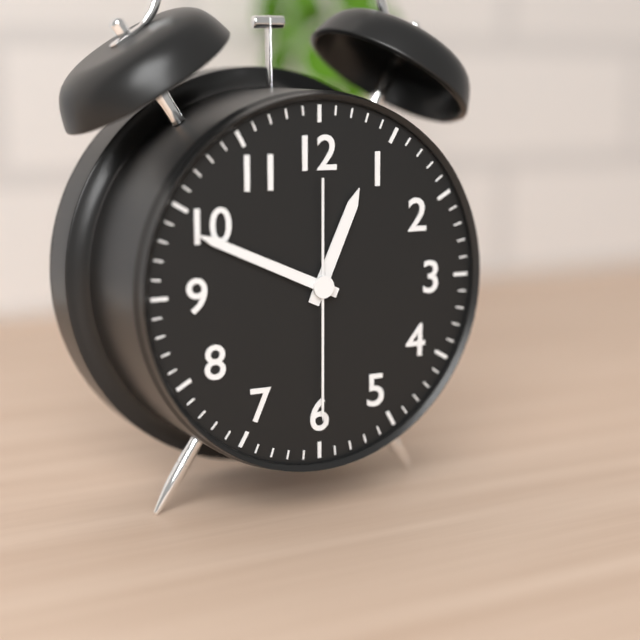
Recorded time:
{"hour": 12, "minute": 49, "second": 30}
